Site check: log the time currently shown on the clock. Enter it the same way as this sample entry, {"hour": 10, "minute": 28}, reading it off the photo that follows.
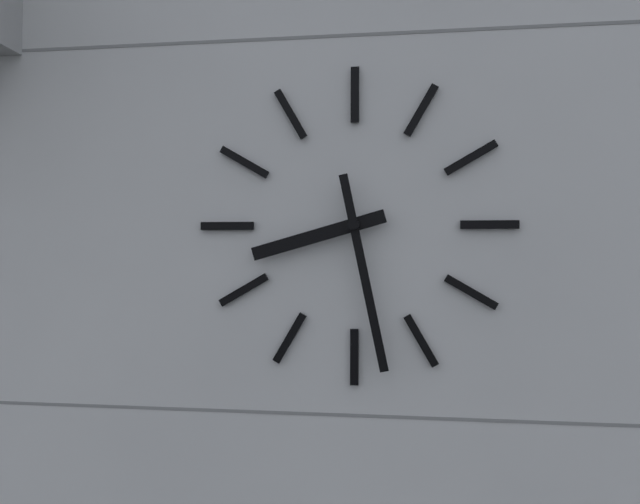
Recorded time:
{"hour": 8, "minute": 28}
